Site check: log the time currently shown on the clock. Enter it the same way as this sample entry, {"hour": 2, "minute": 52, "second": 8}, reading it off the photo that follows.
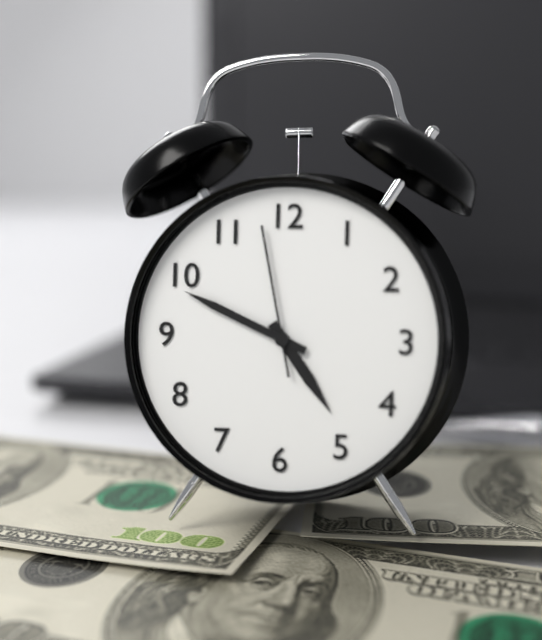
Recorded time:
{"hour": 4, "minute": 49, "second": 58}
